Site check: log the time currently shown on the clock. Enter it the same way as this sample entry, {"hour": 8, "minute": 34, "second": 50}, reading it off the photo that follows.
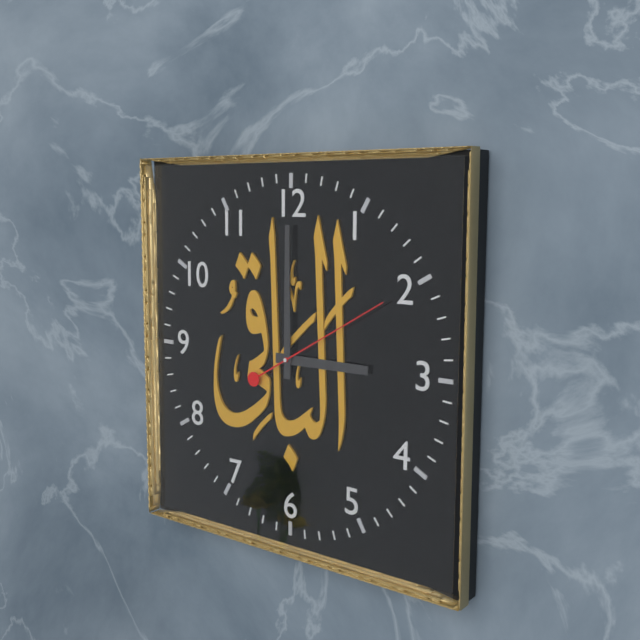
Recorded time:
{"hour": 3, "minute": 0, "second": 10}
